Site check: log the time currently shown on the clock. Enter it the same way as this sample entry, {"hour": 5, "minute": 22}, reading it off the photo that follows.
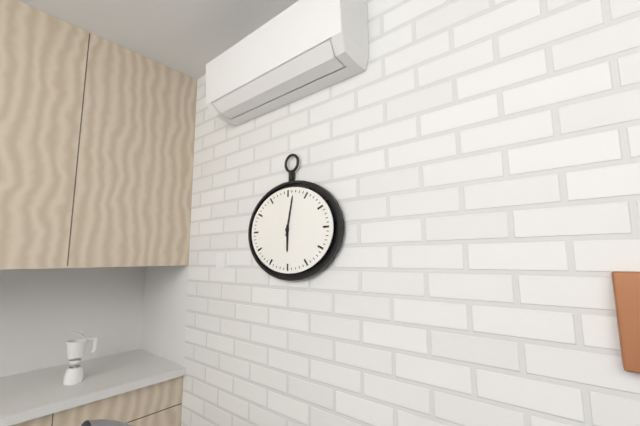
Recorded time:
{"hour": 6, "minute": 2}
